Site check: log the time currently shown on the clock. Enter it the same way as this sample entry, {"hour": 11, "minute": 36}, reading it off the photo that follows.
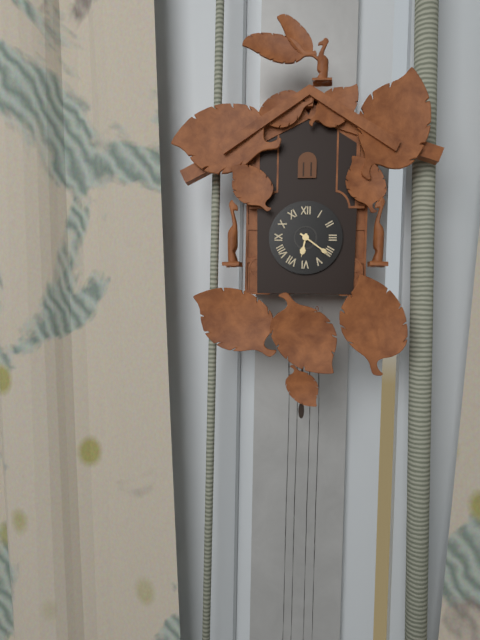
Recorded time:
{"hour": 6, "minute": 21}
